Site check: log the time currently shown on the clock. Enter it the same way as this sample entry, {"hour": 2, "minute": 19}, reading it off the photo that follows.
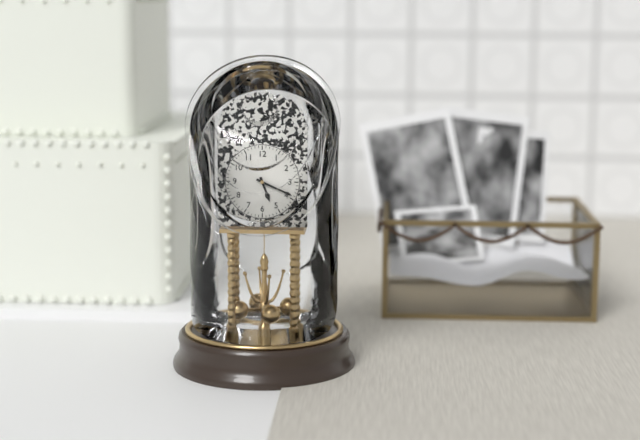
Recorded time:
{"hour": 5, "minute": 19}
